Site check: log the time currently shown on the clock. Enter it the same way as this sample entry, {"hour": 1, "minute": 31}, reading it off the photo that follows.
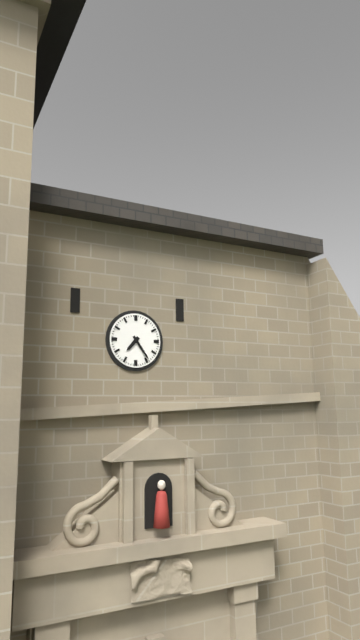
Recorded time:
{"hour": 7, "minute": 24}
